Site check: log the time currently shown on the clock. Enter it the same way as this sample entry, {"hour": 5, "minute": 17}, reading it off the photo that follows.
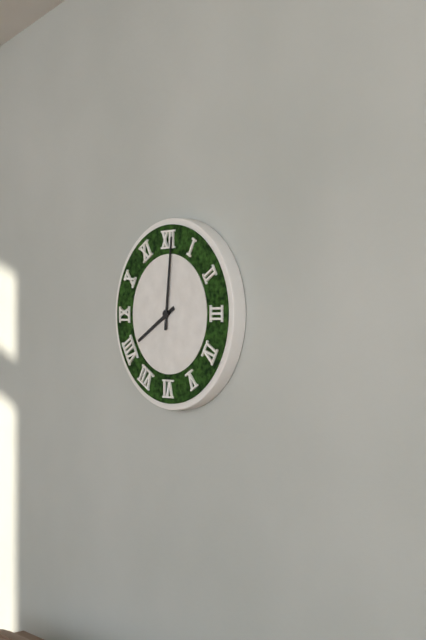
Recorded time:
{"hour": 8, "minute": 1}
